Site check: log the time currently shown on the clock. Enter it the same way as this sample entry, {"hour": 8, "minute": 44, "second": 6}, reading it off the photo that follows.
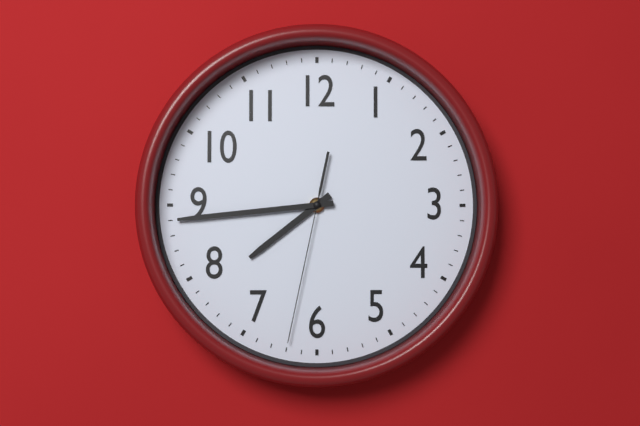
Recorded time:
{"hour": 7, "minute": 44, "second": 32}
